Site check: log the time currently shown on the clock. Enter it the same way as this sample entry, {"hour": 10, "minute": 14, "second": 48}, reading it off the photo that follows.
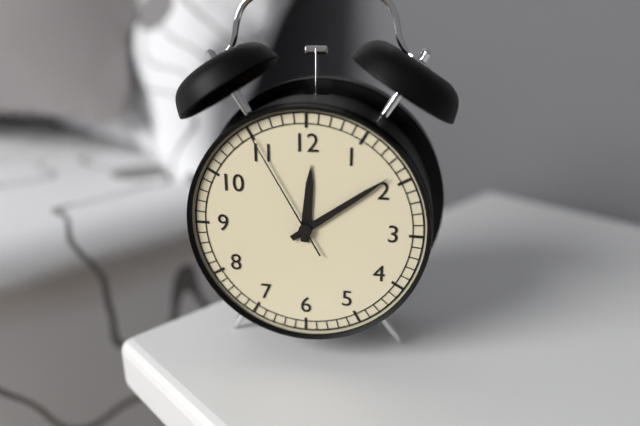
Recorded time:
{"hour": 12, "minute": 9, "second": 55}
